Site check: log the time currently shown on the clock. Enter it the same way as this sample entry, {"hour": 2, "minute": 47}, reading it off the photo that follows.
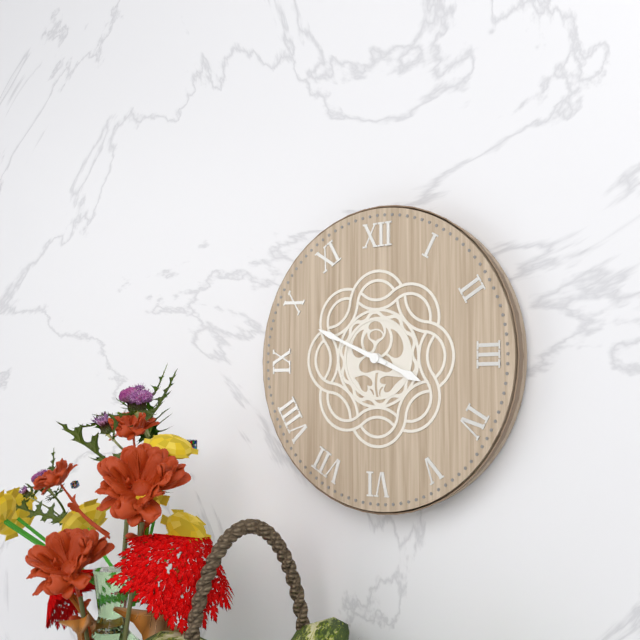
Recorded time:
{"hour": 3, "minute": 49}
